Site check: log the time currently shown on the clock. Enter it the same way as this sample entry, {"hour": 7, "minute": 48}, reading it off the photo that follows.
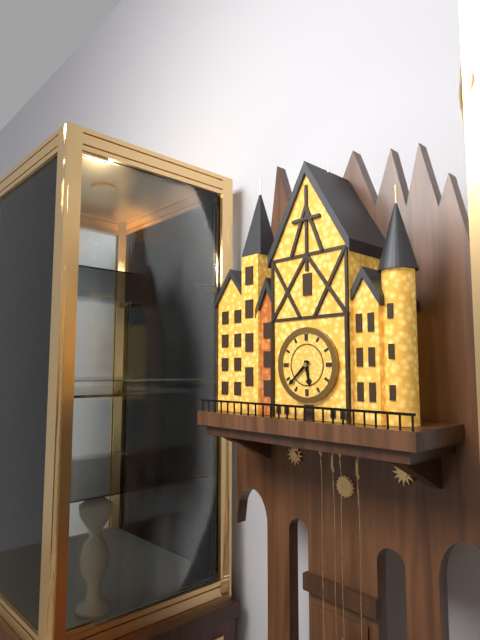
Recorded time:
{"hour": 5, "minute": 38}
